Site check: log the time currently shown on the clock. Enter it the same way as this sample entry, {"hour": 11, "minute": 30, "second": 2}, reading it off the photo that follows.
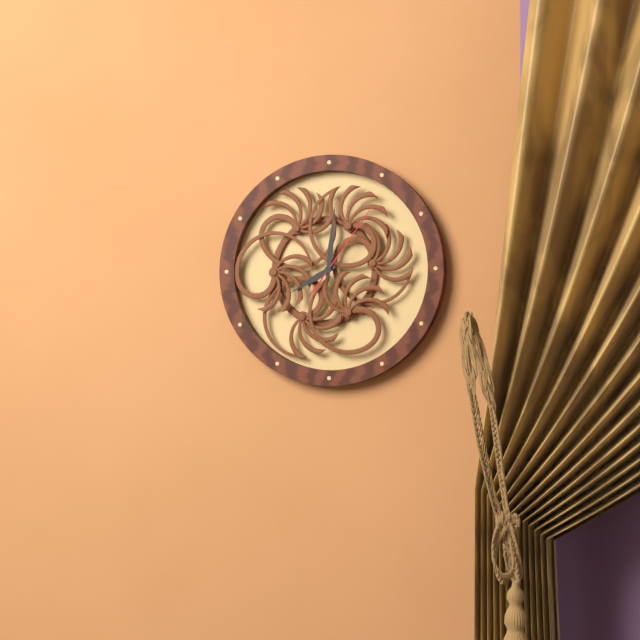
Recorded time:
{"hour": 8, "minute": 1, "second": 6}
